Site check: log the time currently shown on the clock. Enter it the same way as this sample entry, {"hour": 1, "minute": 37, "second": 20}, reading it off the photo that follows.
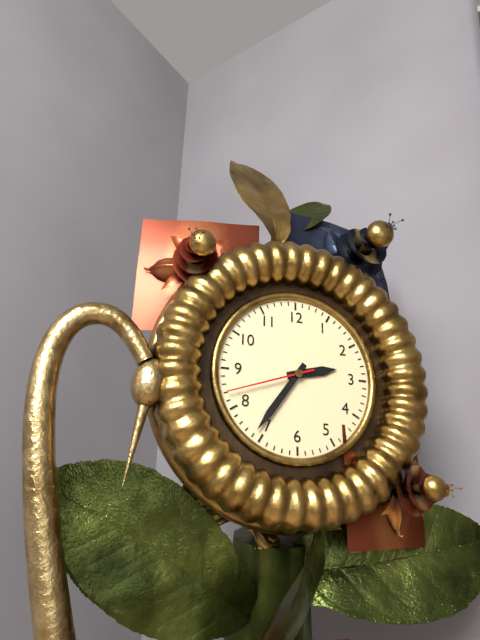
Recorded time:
{"hour": 2, "minute": 36, "second": 42}
